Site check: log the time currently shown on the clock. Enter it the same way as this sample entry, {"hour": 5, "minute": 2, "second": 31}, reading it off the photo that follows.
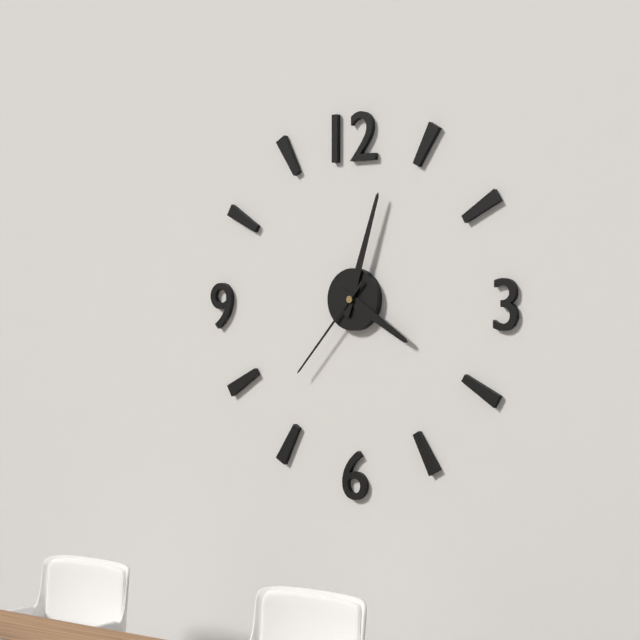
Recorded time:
{"hour": 4, "minute": 3, "second": 37}
